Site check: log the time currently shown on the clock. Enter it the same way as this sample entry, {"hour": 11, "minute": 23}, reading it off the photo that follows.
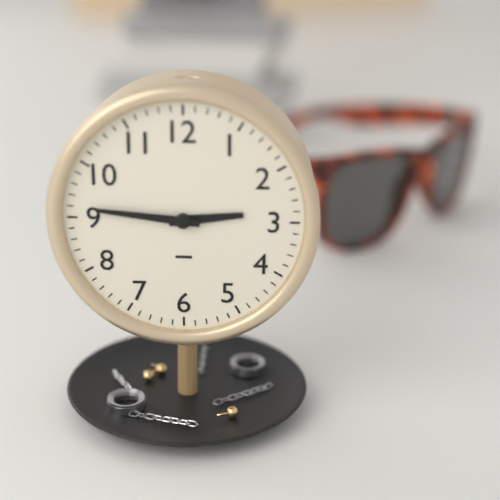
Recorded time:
{"hour": 2, "minute": 46}
